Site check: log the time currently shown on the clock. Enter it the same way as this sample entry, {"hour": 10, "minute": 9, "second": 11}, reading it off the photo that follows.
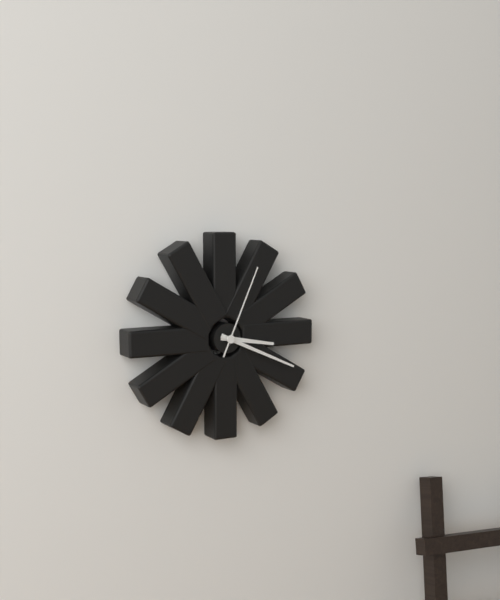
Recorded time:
{"hour": 3, "minute": 19, "second": 4}
